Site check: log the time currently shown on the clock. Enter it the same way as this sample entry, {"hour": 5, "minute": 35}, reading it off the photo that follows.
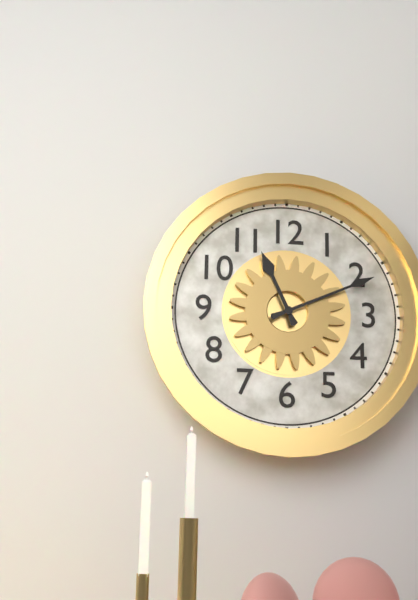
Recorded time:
{"hour": 11, "minute": 11}
